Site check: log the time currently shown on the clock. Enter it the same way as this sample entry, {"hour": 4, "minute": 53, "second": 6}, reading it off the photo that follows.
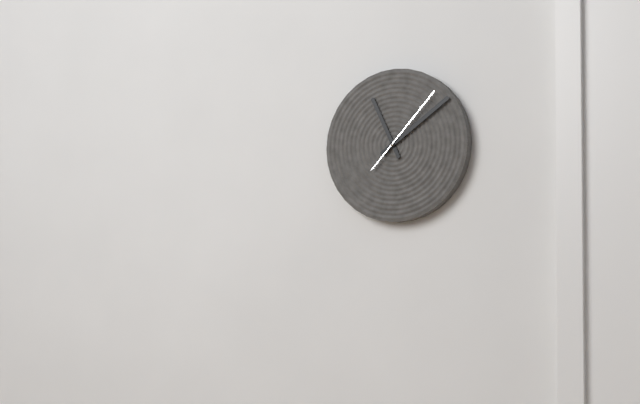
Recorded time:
{"hour": 11, "minute": 9, "second": 7}
